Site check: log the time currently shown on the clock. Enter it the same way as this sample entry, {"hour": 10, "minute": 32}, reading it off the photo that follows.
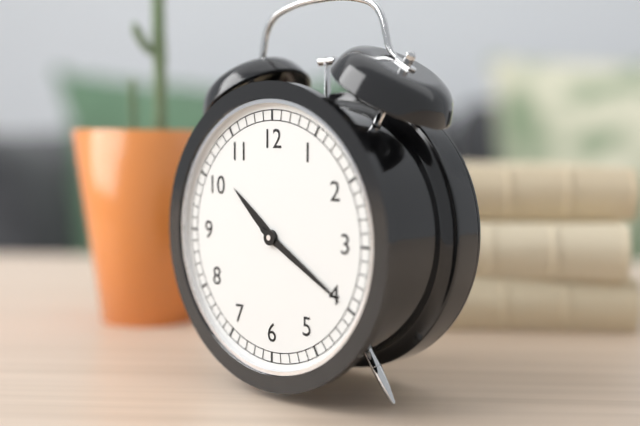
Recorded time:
{"hour": 10, "minute": 20}
